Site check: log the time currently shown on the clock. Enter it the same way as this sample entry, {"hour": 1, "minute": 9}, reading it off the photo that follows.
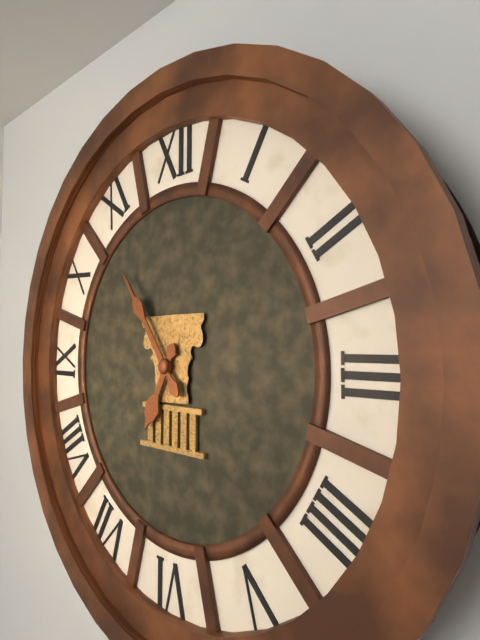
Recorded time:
{"hour": 6, "minute": 54}
